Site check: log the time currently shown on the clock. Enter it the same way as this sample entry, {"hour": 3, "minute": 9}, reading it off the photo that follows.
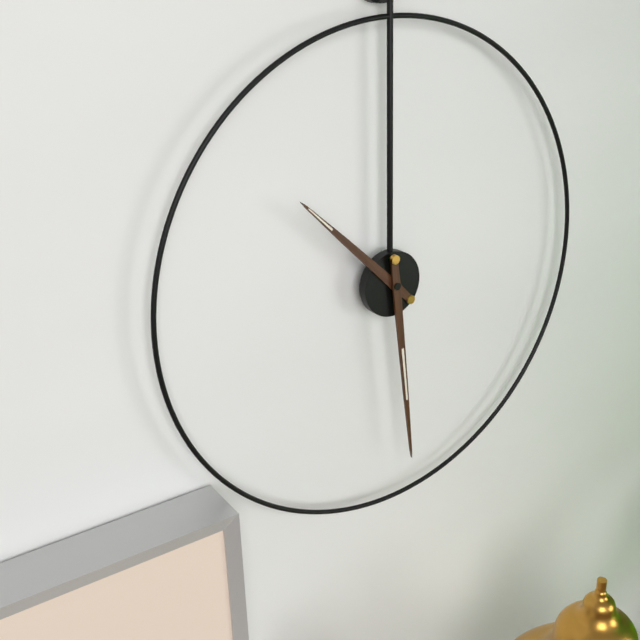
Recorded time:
{"hour": 10, "minute": 29}
